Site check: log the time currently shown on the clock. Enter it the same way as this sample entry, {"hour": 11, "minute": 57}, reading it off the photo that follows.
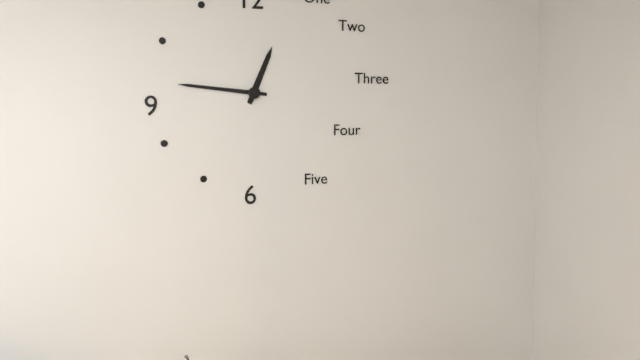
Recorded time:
{"hour": 12, "minute": 46}
